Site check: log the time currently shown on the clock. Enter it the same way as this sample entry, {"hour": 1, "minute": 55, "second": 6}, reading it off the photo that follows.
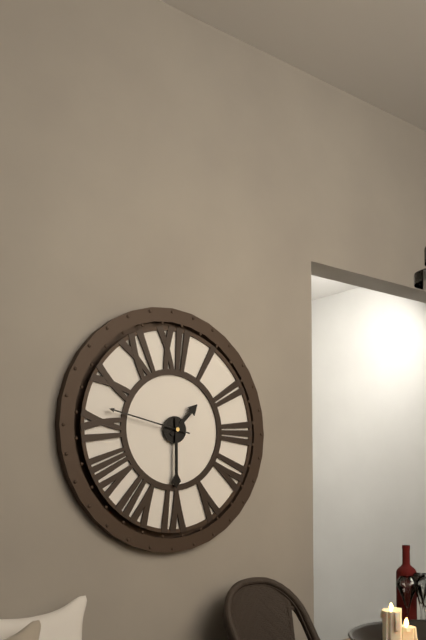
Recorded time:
{"hour": 1, "minute": 30, "second": 47}
